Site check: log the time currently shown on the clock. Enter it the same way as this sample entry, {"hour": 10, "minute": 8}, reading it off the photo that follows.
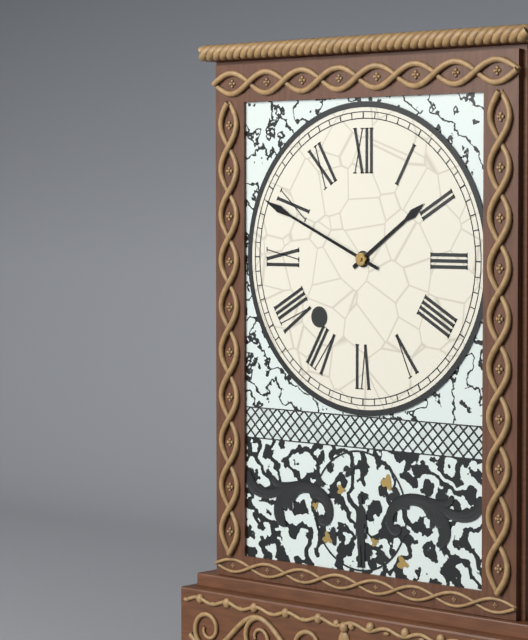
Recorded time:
{"hour": 1, "minute": 49}
